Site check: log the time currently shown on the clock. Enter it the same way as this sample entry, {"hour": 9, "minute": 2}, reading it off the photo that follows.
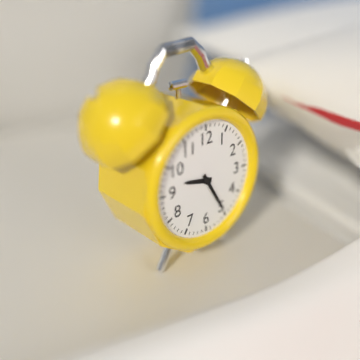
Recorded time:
{"hour": 9, "minute": 25}
